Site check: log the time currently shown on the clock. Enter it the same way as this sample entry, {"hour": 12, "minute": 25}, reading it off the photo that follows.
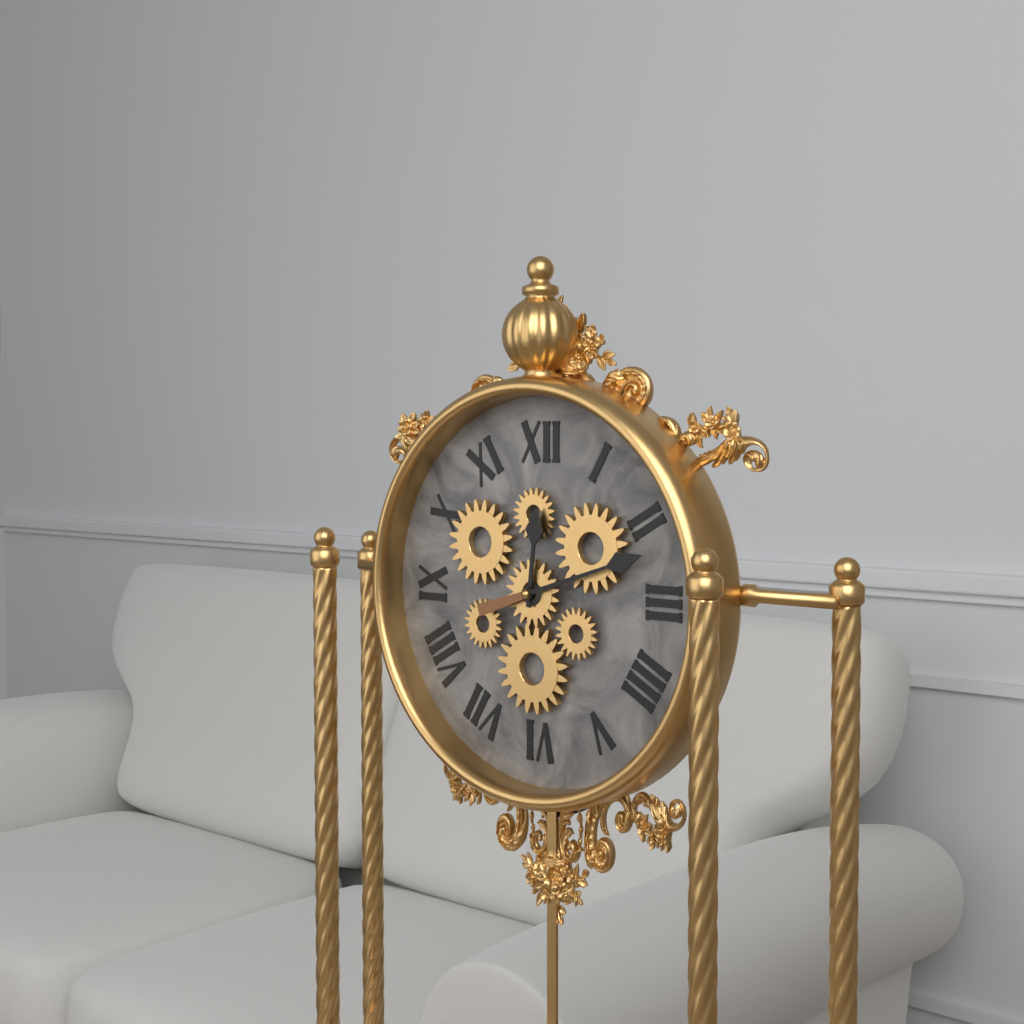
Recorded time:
{"hour": 12, "minute": 12}
